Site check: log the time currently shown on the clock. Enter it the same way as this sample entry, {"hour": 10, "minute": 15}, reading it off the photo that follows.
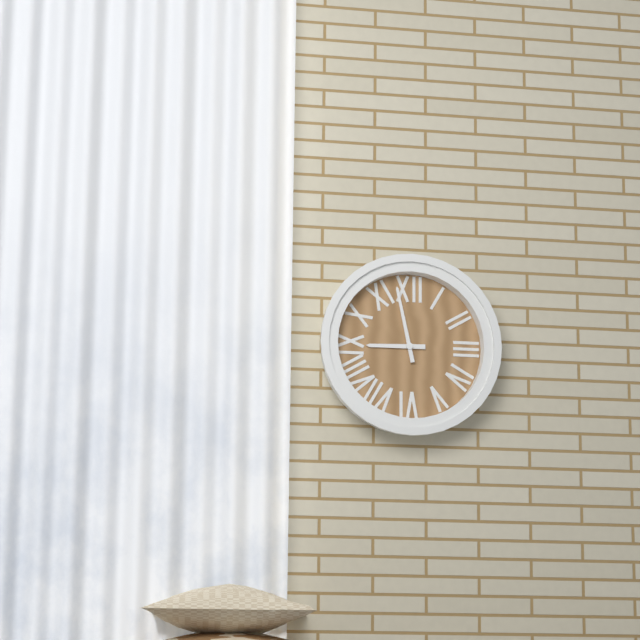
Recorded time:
{"hour": 8, "minute": 58}
